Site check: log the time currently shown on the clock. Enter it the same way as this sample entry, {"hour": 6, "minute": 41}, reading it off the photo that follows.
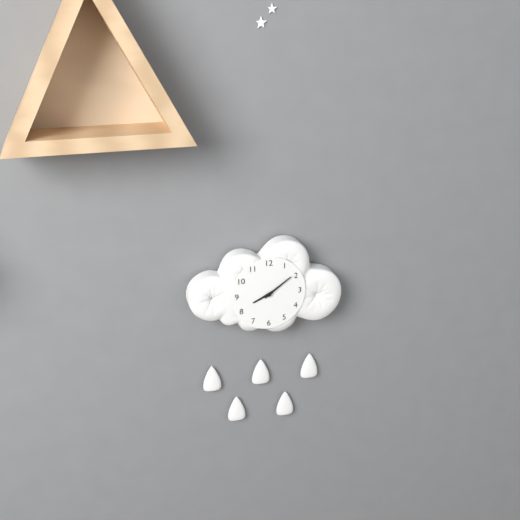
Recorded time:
{"hour": 8, "minute": 9}
